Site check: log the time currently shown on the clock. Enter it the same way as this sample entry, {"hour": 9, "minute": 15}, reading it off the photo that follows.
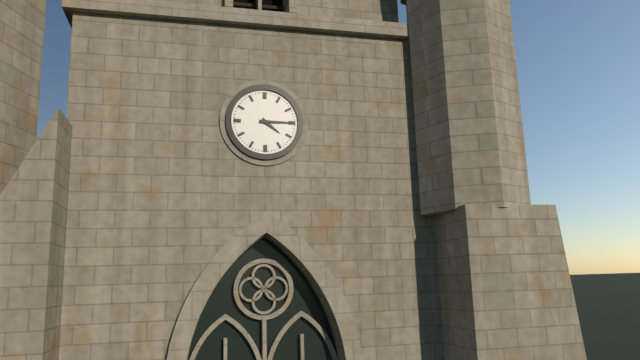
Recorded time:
{"hour": 4, "minute": 15}
